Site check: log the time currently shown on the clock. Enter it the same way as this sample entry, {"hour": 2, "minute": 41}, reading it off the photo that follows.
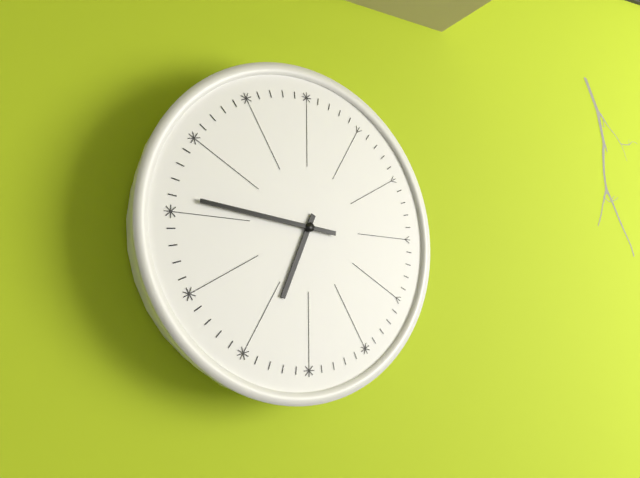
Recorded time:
{"hour": 6, "minute": 46}
